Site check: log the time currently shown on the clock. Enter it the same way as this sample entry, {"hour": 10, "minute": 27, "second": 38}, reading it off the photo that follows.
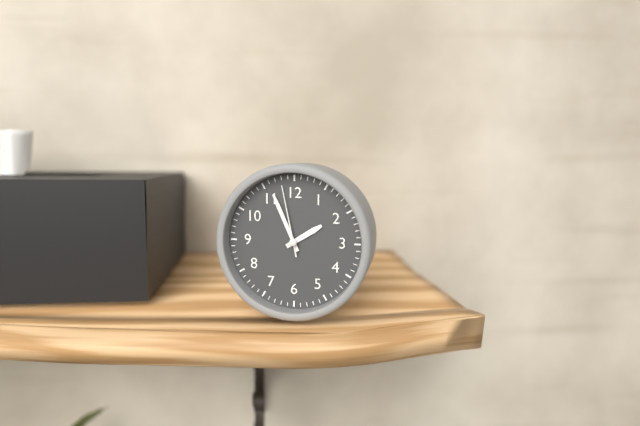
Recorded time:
{"hour": 1, "minute": 56, "second": 58}
